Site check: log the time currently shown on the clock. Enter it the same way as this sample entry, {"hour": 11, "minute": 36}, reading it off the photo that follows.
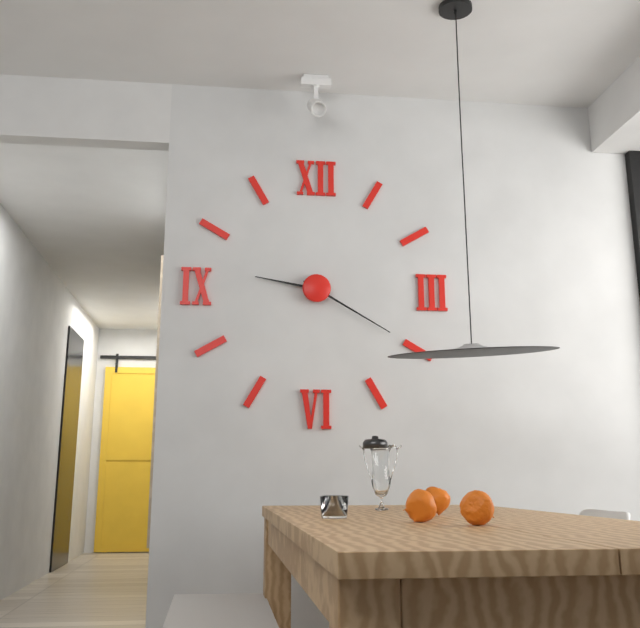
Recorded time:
{"hour": 9, "minute": 20}
